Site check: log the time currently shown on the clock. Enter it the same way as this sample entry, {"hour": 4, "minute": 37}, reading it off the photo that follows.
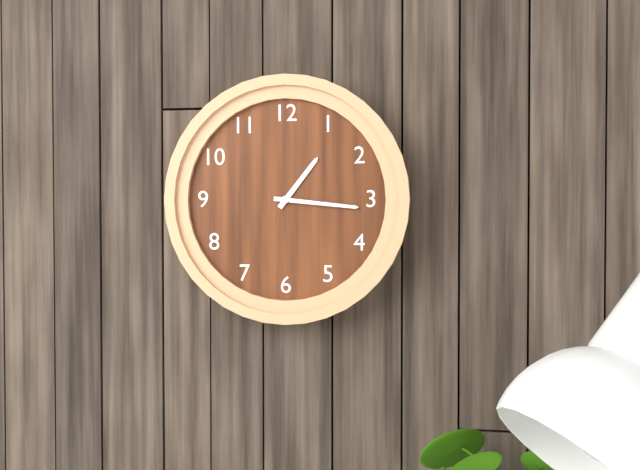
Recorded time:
{"hour": 1, "minute": 16}
